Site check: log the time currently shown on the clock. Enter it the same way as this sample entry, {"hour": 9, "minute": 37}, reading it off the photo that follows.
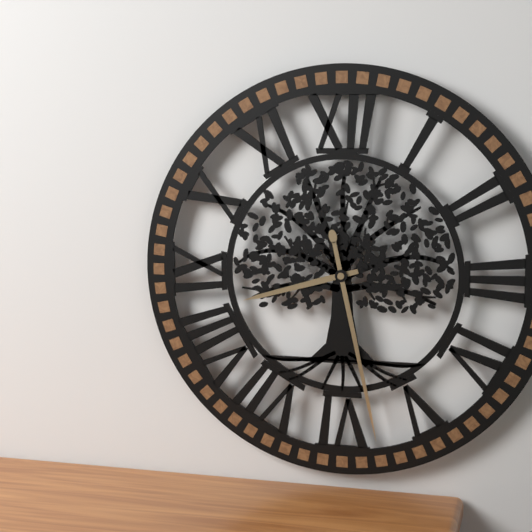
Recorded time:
{"hour": 8, "minute": 28}
